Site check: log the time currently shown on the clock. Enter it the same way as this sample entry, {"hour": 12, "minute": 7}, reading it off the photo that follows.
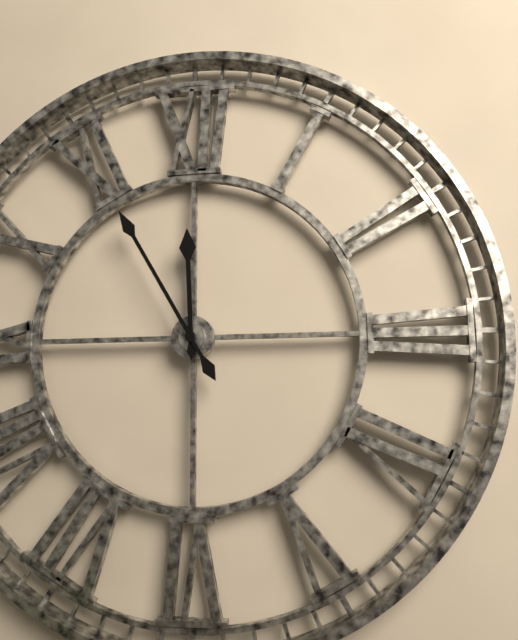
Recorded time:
{"hour": 11, "minute": 55}
